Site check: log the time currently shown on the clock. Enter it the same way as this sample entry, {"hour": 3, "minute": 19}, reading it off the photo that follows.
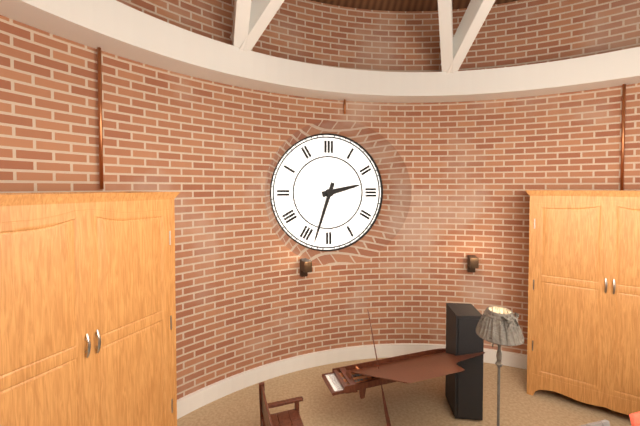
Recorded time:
{"hour": 2, "minute": 33}
